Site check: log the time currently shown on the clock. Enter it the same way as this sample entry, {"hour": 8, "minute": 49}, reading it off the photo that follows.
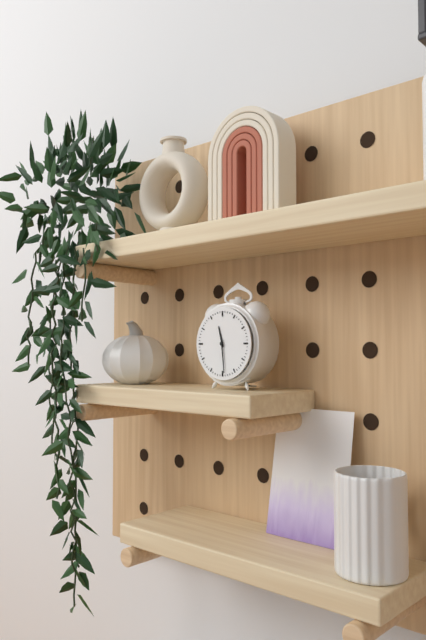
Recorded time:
{"hour": 11, "minute": 29}
